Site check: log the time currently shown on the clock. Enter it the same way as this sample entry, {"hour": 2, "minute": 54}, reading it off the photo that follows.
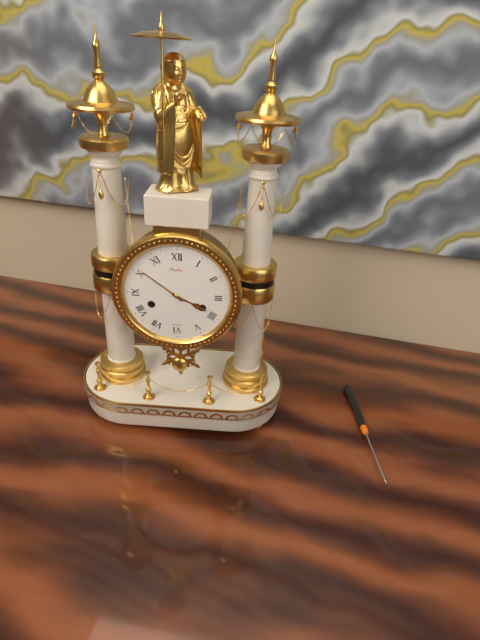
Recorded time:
{"hour": 3, "minute": 51}
